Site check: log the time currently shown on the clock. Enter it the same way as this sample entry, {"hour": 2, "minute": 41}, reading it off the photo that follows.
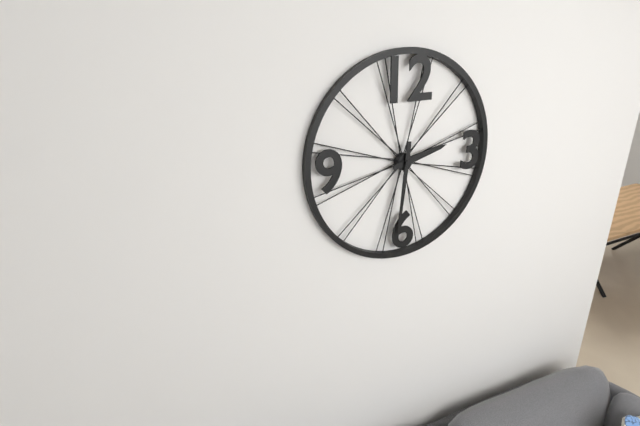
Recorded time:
{"hour": 2, "minute": 31}
